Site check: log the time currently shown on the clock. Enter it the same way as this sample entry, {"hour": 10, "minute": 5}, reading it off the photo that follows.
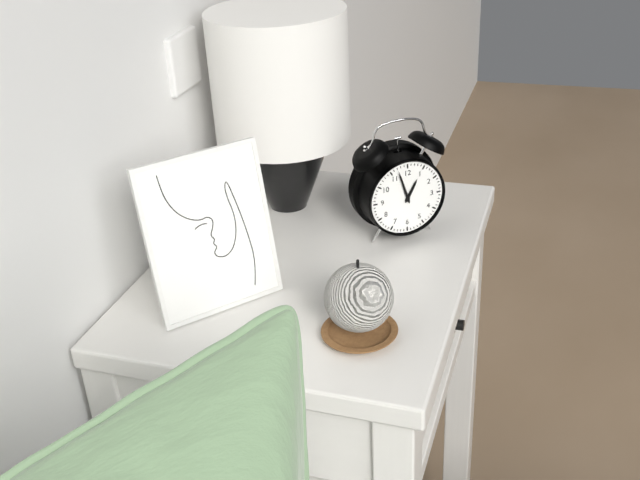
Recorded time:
{"hour": 12, "minute": 57}
